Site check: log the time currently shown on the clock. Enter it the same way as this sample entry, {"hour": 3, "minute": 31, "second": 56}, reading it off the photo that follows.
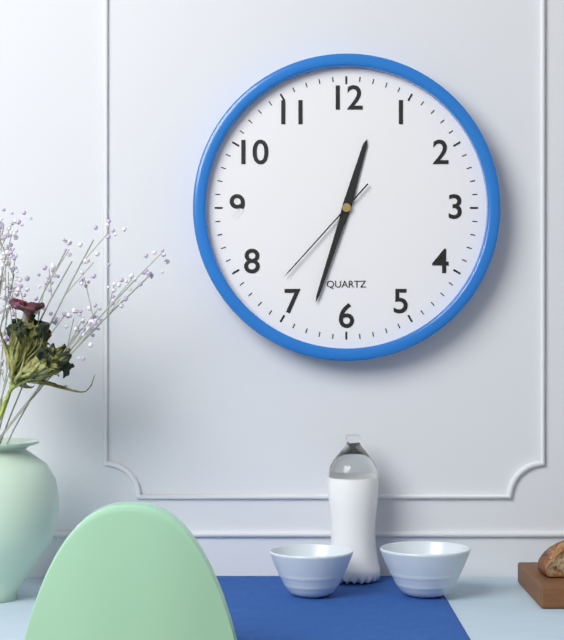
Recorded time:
{"hour": 12, "minute": 33, "second": 37}
